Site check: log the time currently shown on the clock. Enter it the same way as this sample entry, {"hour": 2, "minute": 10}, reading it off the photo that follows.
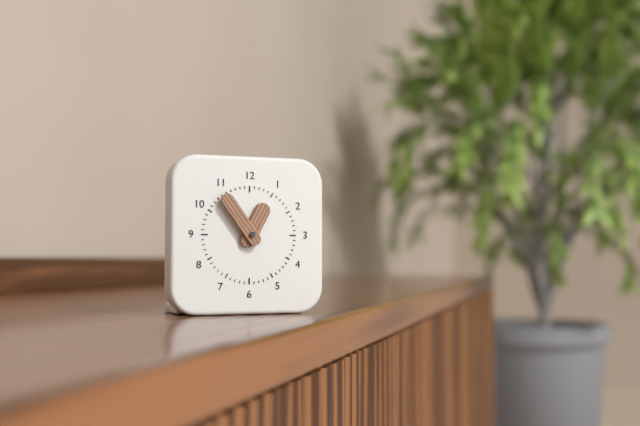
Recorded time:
{"hour": 12, "minute": 54}
